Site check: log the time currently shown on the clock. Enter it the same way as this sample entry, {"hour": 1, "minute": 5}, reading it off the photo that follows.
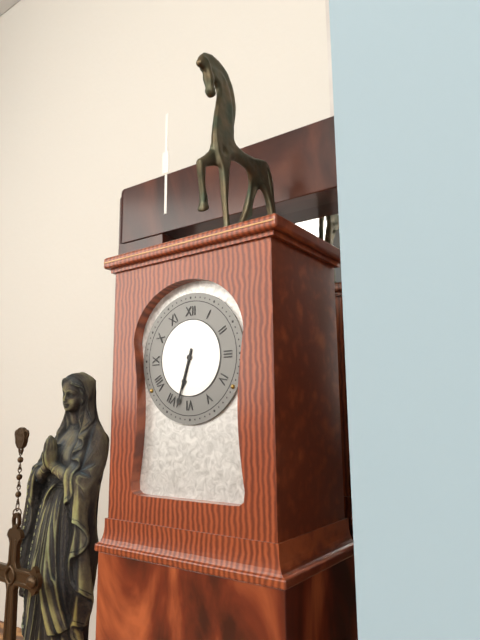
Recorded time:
{"hour": 6, "minute": 33}
